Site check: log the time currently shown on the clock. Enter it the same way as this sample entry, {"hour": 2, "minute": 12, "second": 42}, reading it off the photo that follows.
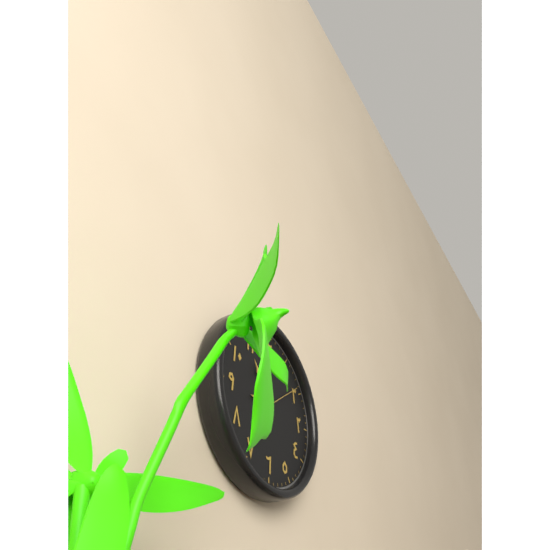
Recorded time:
{"hour": 8, "minute": 54, "second": 9}
